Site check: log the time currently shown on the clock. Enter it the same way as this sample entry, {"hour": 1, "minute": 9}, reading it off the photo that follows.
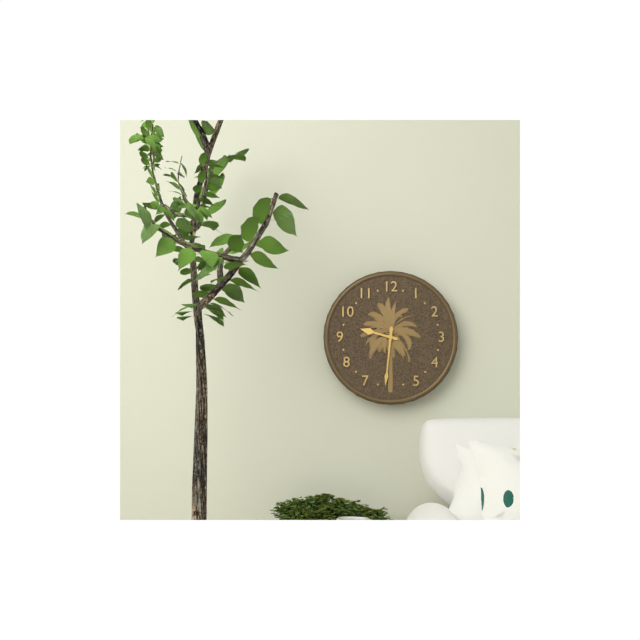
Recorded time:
{"hour": 9, "minute": 31}
